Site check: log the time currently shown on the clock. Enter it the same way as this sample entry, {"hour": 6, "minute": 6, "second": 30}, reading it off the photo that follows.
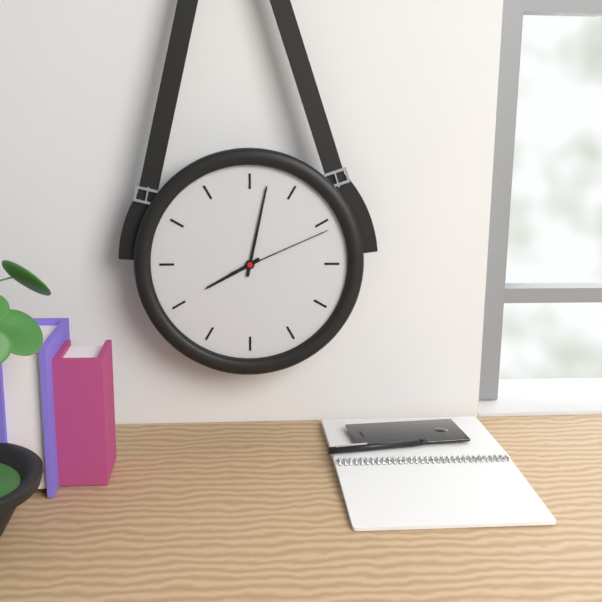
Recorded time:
{"hour": 8, "minute": 2, "second": 11}
